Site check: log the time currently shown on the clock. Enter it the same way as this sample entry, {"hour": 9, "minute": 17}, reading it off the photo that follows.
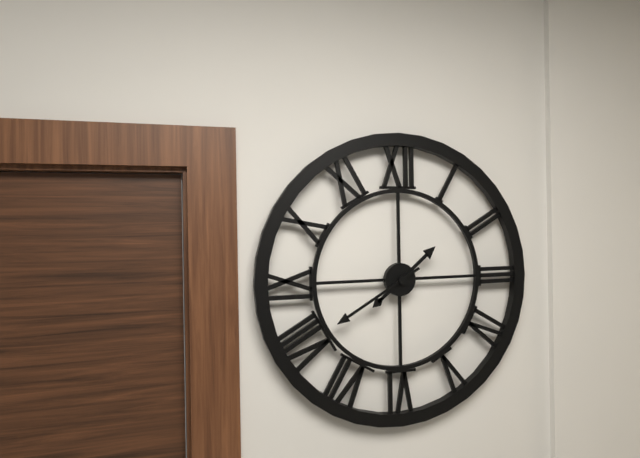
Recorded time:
{"hour": 1, "minute": 40}
